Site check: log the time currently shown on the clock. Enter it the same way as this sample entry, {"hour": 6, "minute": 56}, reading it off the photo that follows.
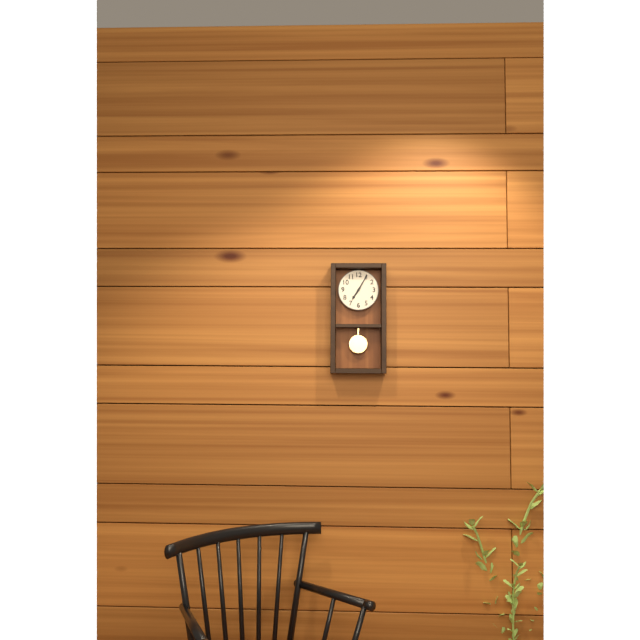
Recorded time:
{"hour": 7, "minute": 5}
